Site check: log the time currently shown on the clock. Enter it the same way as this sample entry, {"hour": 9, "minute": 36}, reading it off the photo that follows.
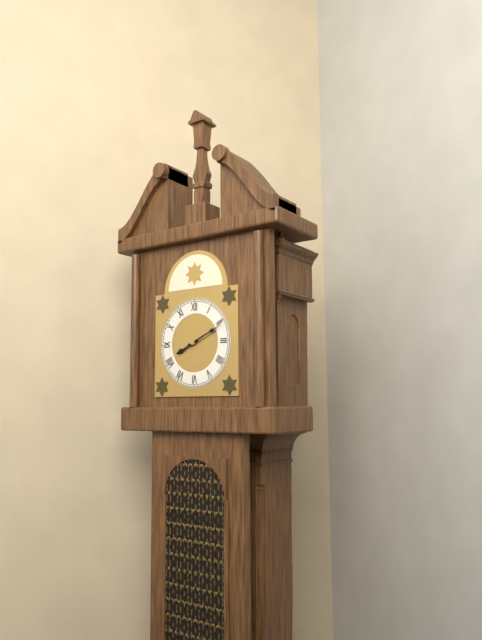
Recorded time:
{"hour": 8, "minute": 11}
